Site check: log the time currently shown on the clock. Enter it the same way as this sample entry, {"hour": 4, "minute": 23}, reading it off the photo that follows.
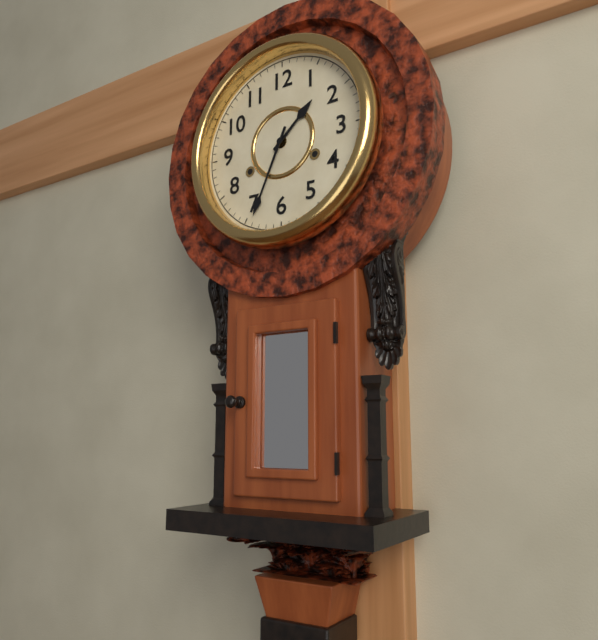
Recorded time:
{"hour": 1, "minute": 34}
